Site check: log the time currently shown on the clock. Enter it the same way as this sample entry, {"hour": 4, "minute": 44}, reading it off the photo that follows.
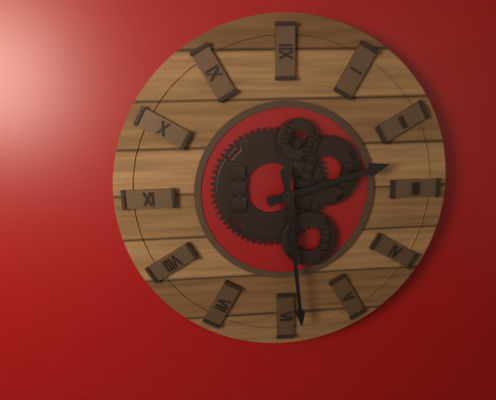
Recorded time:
{"hour": 2, "minute": 29}
